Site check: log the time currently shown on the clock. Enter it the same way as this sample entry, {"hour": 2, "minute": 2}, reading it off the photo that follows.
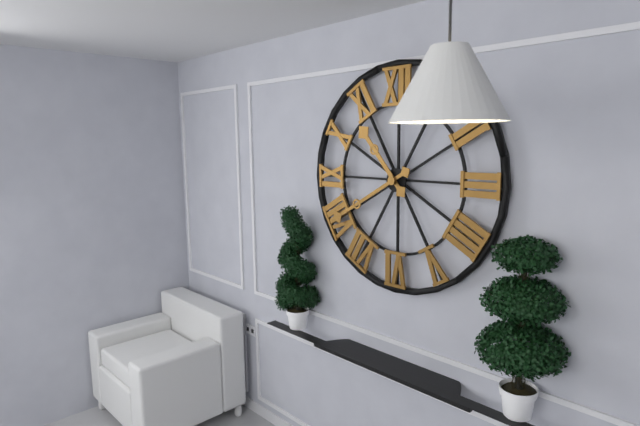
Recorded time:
{"hour": 10, "minute": 40}
